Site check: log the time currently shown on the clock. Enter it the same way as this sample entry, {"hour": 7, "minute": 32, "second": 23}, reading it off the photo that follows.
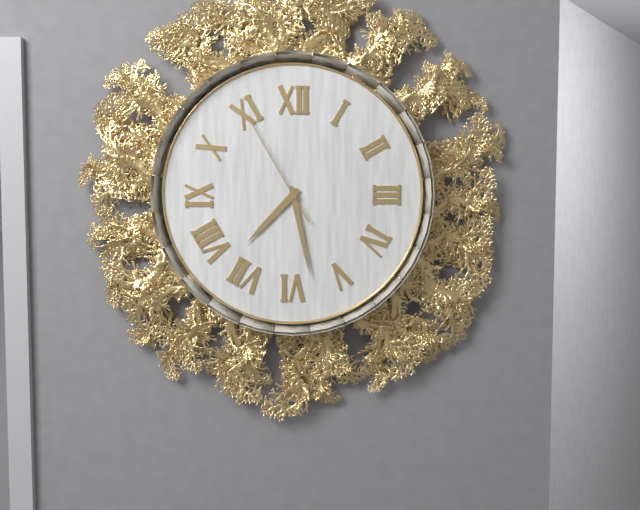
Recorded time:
{"hour": 7, "minute": 28, "second": 55}
